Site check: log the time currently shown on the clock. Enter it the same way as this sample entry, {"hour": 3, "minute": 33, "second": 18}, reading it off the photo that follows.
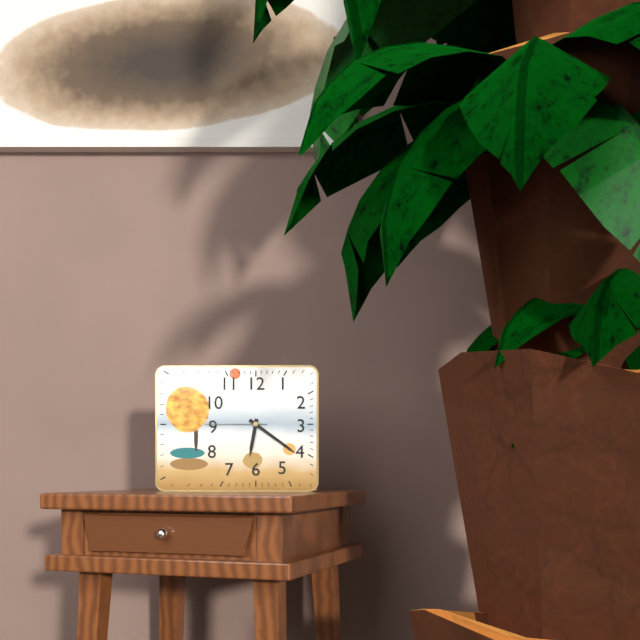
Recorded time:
{"hour": 6, "minute": 21, "second": 45}
